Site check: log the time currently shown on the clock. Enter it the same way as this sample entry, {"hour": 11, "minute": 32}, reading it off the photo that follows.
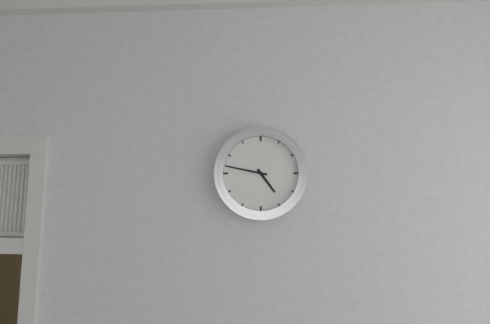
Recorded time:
{"hour": 4, "minute": 47}
